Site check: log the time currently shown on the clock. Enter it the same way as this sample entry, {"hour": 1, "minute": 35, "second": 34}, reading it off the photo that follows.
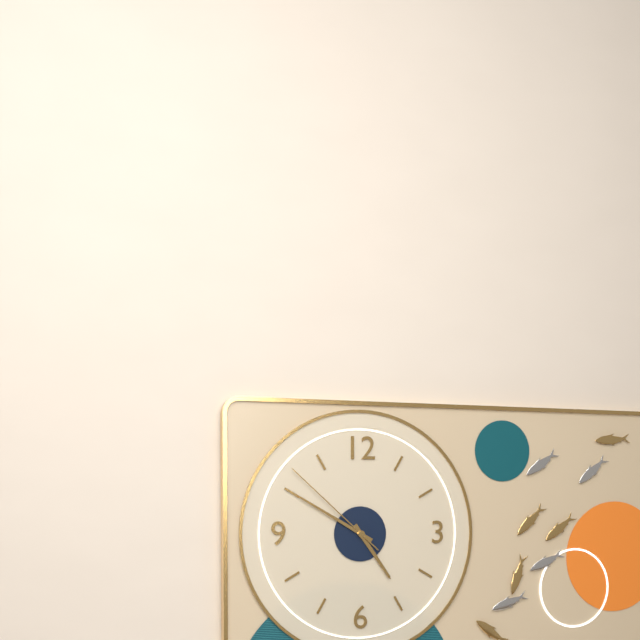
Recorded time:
{"hour": 4, "minute": 50, "second": 52}
